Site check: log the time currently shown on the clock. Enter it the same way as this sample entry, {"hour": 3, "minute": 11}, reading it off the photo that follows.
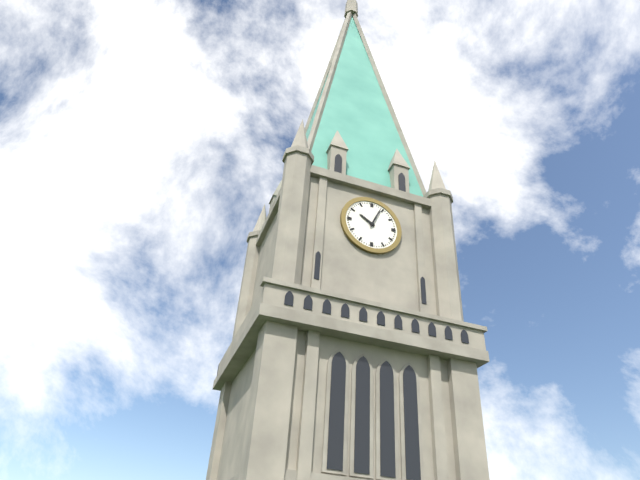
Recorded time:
{"hour": 10, "minute": 4}
